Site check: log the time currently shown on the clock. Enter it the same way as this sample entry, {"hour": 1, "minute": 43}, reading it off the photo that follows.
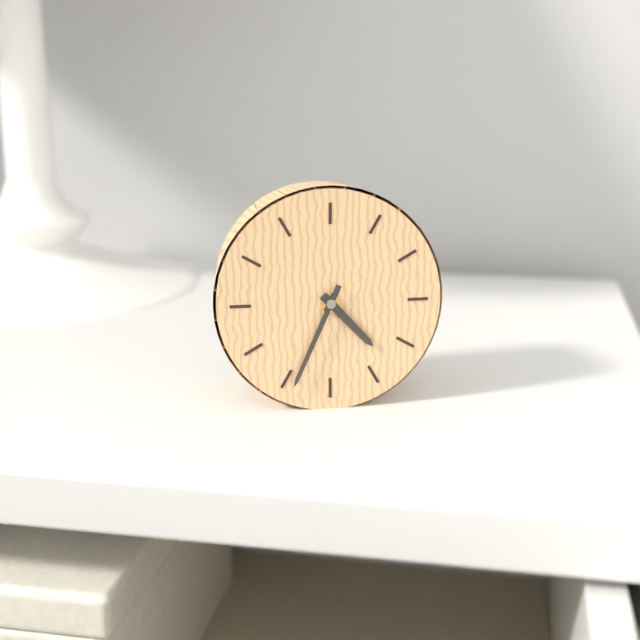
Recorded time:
{"hour": 4, "minute": 34}
